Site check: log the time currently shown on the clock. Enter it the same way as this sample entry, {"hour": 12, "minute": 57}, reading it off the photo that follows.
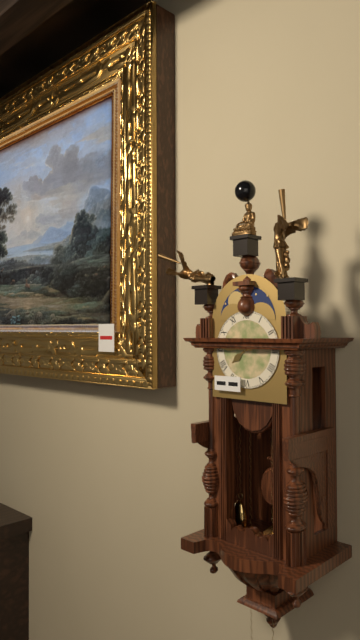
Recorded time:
{"hour": 7, "minute": 45}
